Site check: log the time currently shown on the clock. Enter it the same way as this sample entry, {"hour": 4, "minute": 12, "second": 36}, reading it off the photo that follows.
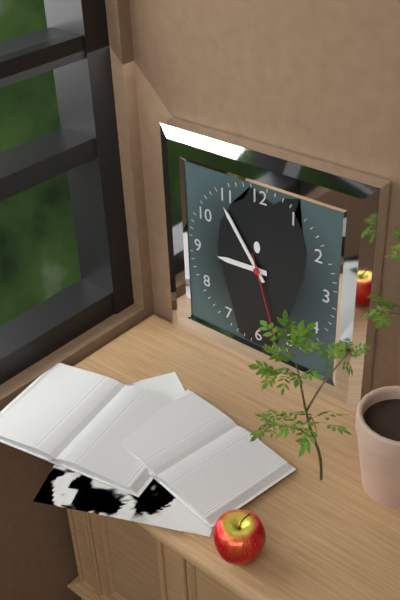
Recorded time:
{"hour": 8, "minute": 54, "second": 27}
